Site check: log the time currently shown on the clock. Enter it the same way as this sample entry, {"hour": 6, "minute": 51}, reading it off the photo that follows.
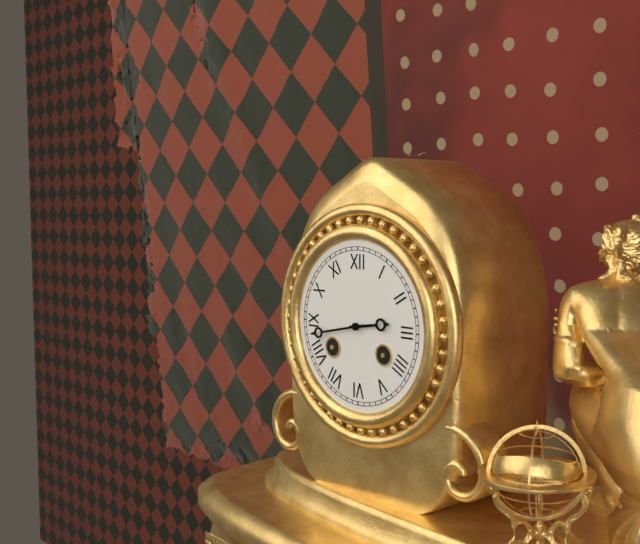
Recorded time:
{"hour": 2, "minute": 43}
